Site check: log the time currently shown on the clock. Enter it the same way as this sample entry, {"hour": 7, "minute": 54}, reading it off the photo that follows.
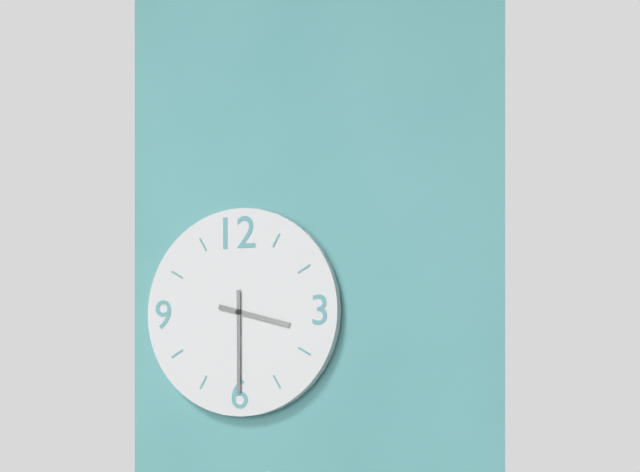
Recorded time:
{"hour": 3, "minute": 30}
